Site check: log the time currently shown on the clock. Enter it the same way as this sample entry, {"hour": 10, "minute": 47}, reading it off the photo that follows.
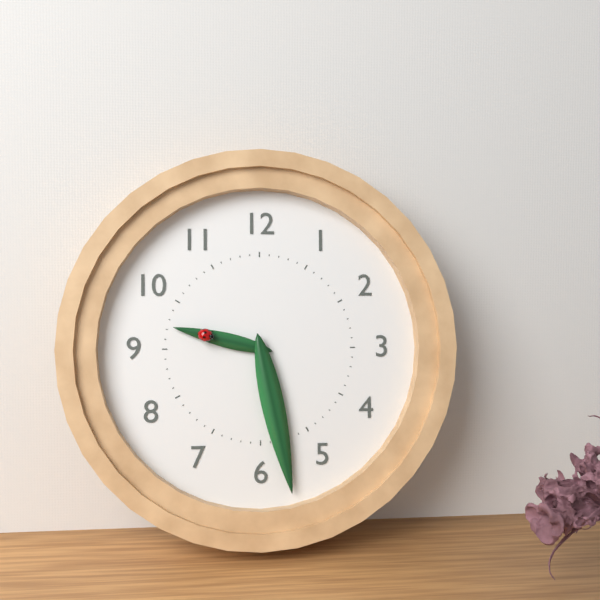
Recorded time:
{"hour": 9, "minute": 28}
